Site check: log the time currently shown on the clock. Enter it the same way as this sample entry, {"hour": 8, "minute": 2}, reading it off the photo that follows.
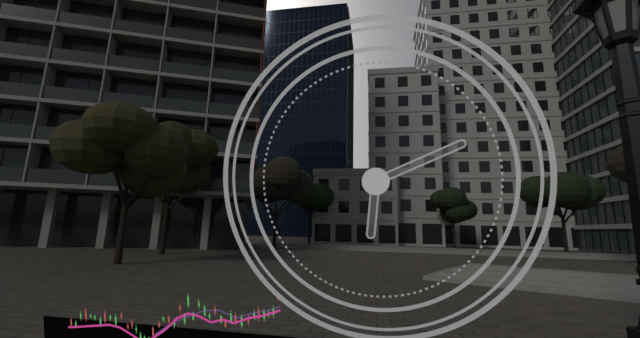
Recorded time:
{"hour": 6, "minute": 11}
